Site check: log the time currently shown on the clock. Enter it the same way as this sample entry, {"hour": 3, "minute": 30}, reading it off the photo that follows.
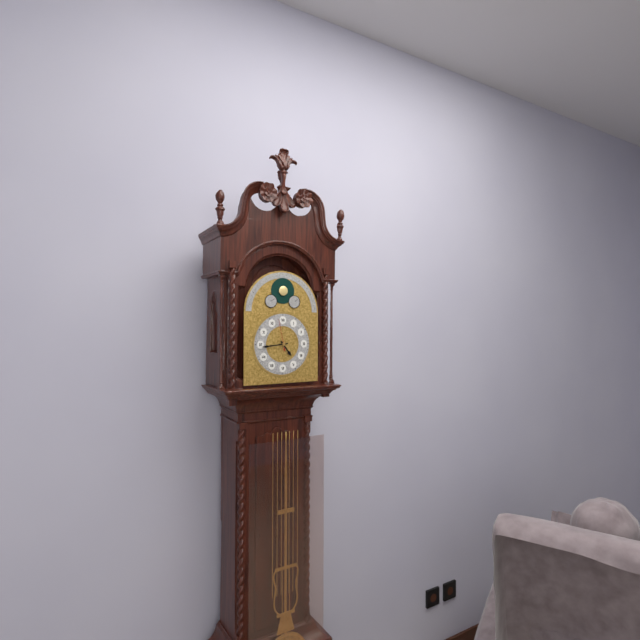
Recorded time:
{"hour": 4, "minute": 44}
